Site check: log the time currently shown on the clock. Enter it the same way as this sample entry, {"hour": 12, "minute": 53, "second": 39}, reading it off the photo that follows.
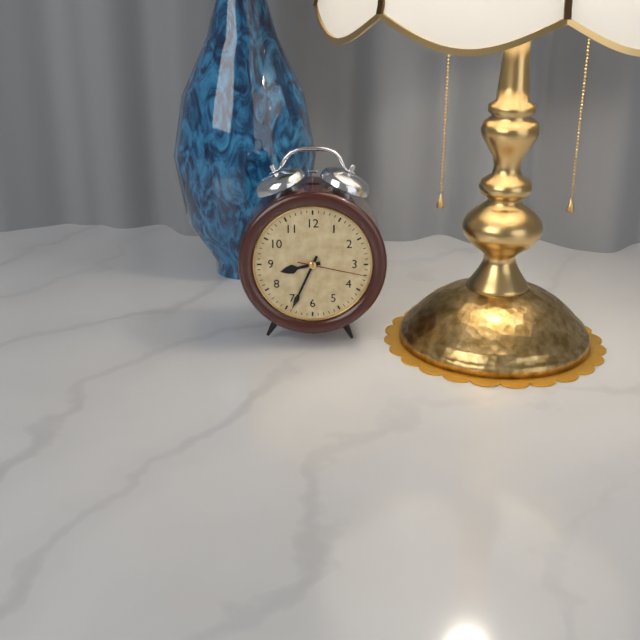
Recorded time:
{"hour": 8, "minute": 34, "second": 17}
